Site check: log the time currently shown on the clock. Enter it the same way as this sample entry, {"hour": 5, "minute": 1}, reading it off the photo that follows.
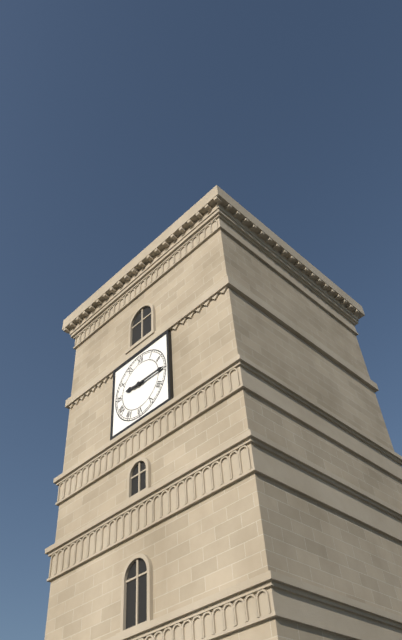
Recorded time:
{"hour": 9, "minute": 15}
